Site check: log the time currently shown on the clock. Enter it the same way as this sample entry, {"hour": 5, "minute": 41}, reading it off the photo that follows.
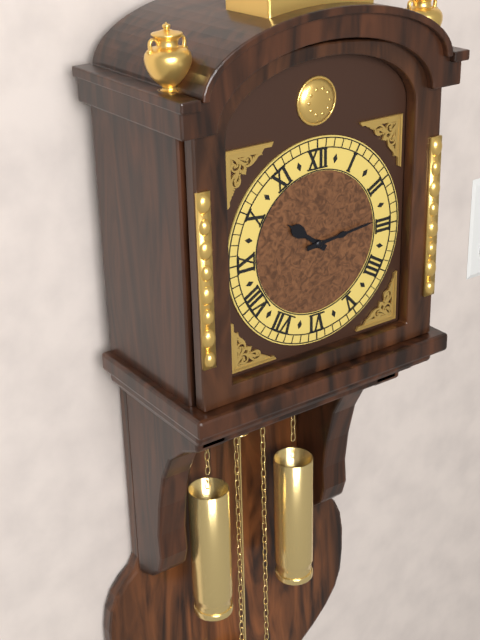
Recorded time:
{"hour": 10, "minute": 14}
